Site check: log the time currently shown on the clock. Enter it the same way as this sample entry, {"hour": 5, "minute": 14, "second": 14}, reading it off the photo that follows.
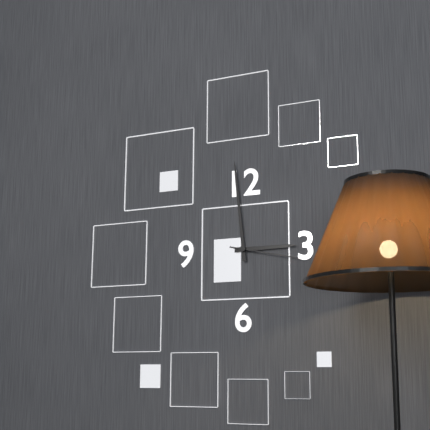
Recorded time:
{"hour": 2, "minute": 59, "second": 17}
